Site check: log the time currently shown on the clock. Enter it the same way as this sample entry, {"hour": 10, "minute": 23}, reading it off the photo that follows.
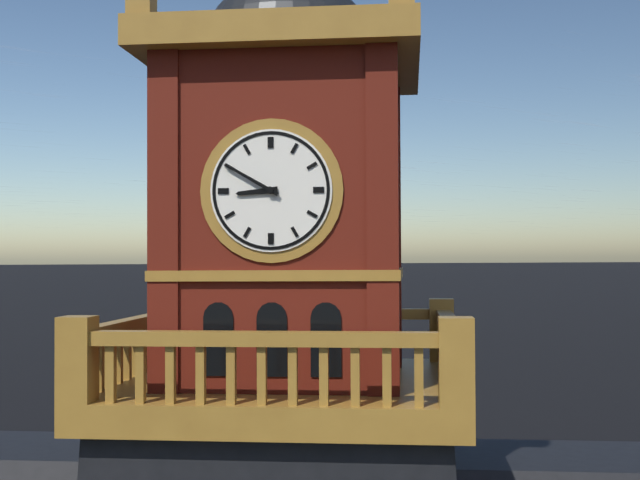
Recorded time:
{"hour": 8, "minute": 50}
